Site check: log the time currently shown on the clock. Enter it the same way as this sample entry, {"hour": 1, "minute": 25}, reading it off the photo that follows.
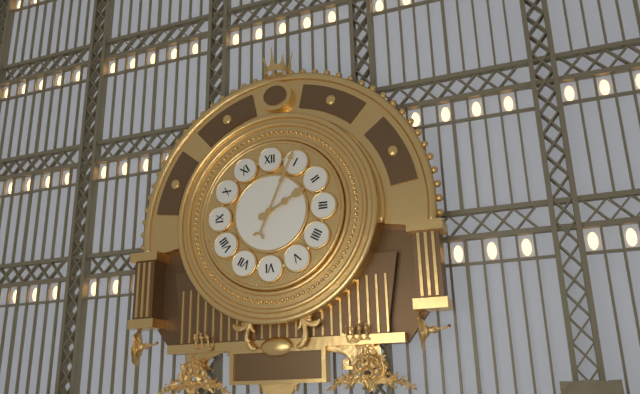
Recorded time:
{"hour": 2, "minute": 4}
